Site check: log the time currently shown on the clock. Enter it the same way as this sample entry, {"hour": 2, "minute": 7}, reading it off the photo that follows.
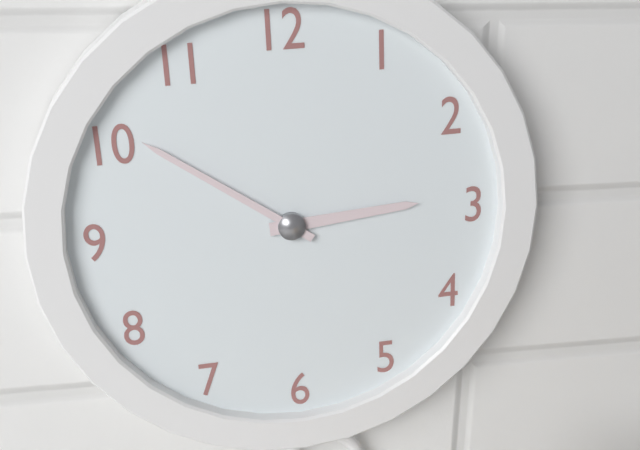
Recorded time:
{"hour": 2, "minute": 51}
